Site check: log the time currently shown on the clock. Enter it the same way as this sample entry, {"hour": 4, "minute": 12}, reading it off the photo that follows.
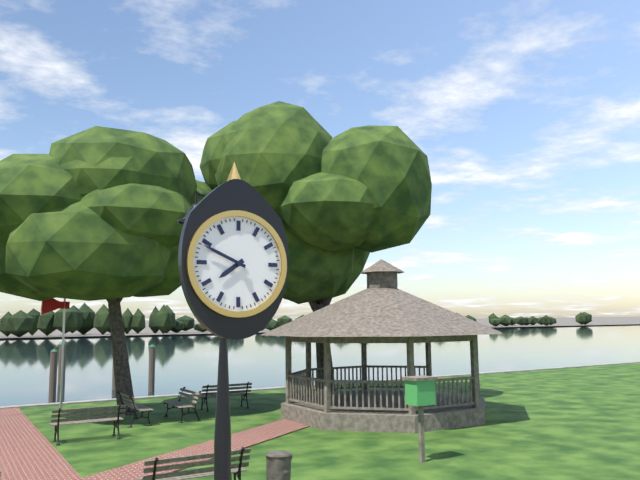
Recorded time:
{"hour": 7, "minute": 49}
